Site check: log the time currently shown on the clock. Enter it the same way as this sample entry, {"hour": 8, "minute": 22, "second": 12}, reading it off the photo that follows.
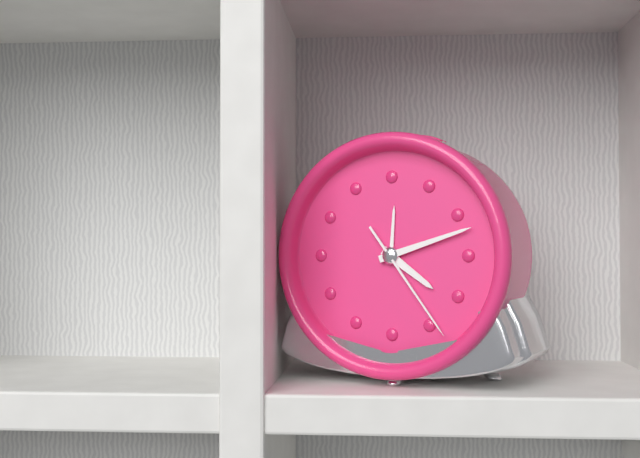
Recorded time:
{"hour": 4, "minute": 12, "second": 24}
